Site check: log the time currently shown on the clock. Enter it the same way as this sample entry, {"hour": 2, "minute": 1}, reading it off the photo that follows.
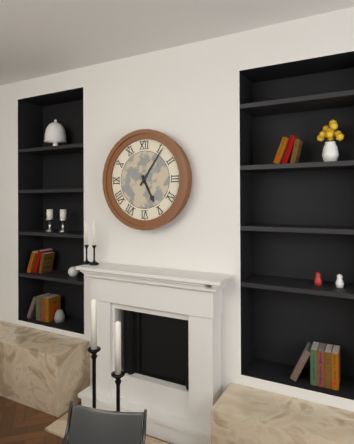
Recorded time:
{"hour": 5, "minute": 6}
